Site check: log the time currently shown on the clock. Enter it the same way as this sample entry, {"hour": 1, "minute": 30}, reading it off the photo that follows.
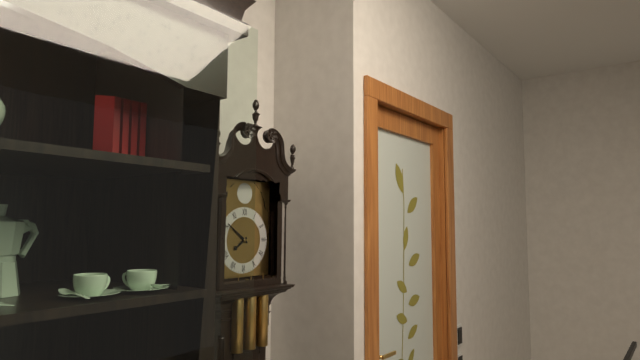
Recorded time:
{"hour": 7, "minute": 51}
